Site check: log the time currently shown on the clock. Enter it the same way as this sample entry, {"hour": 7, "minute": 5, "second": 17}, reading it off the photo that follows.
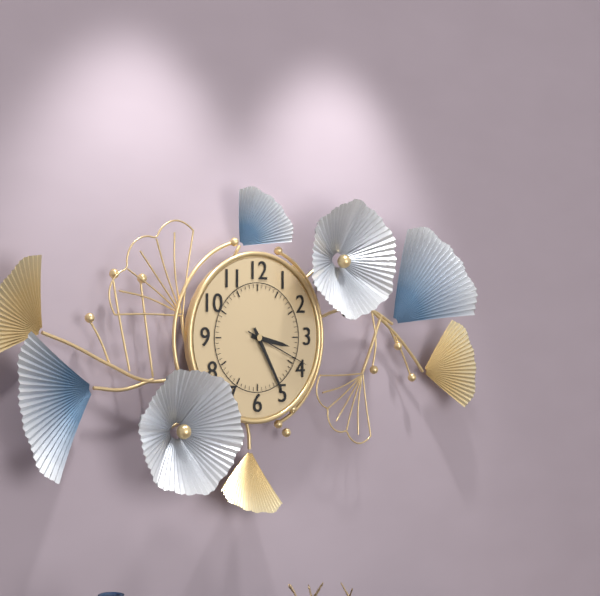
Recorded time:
{"hour": 3, "minute": 25, "second": 19}
